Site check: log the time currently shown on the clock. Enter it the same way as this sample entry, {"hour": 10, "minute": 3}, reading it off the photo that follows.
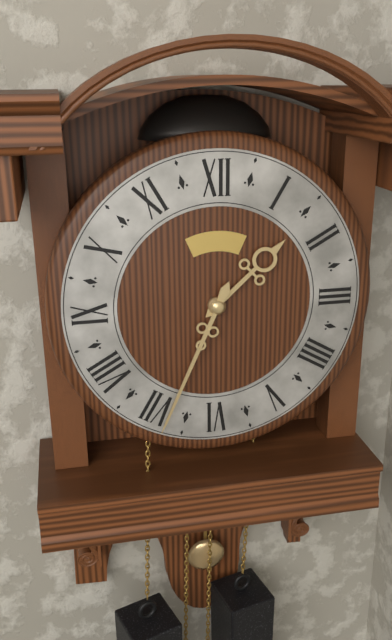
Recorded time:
{"hour": 1, "minute": 34}
